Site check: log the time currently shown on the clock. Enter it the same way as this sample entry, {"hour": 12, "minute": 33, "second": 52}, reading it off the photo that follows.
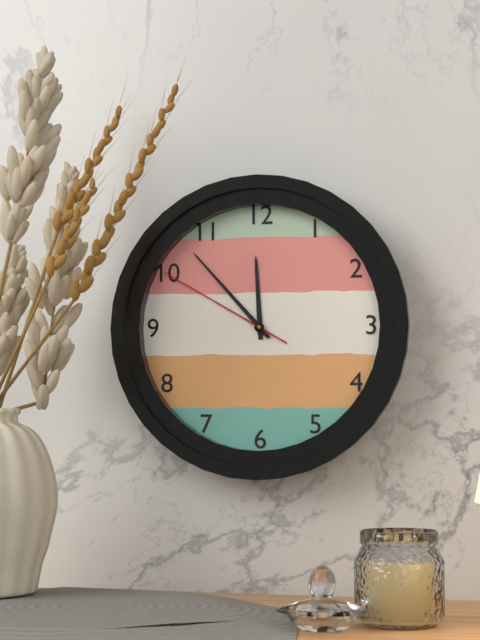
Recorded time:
{"hour": 11, "minute": 53, "second": 50}
